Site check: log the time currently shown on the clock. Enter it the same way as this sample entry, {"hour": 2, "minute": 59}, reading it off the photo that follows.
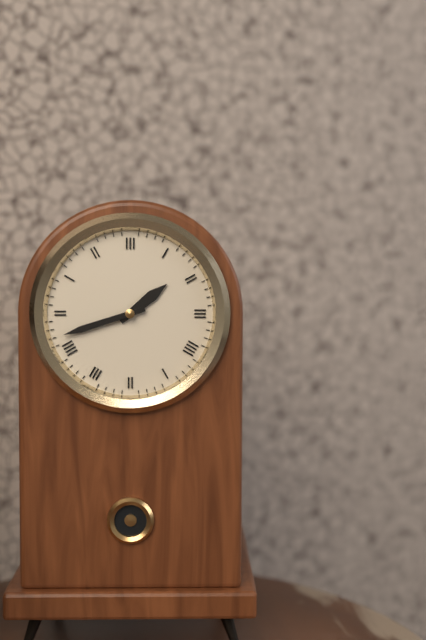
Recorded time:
{"hour": 1, "minute": 42}
